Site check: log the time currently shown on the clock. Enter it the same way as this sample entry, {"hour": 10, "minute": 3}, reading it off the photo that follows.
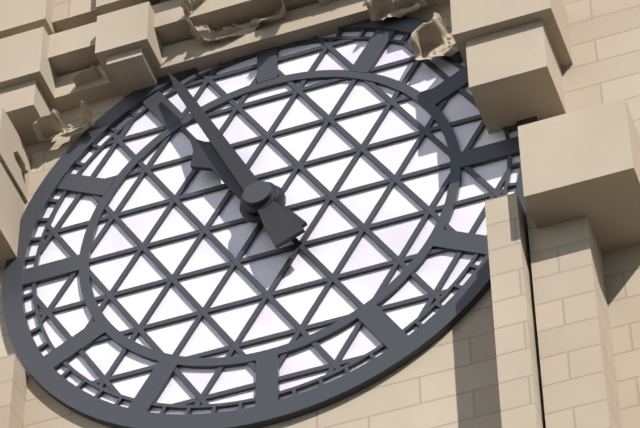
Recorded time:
{"hour": 10, "minute": 56}
